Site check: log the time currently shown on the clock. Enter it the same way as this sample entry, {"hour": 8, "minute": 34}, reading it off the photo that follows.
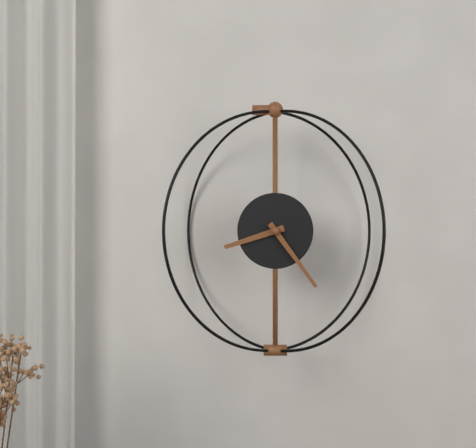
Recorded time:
{"hour": 8, "minute": 24}
